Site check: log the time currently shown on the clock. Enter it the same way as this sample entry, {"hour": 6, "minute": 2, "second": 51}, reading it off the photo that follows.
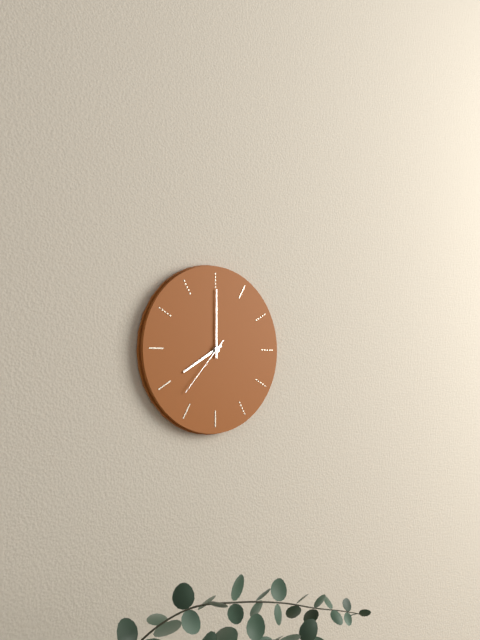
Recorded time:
{"hour": 8, "minute": 0, "second": 37}
